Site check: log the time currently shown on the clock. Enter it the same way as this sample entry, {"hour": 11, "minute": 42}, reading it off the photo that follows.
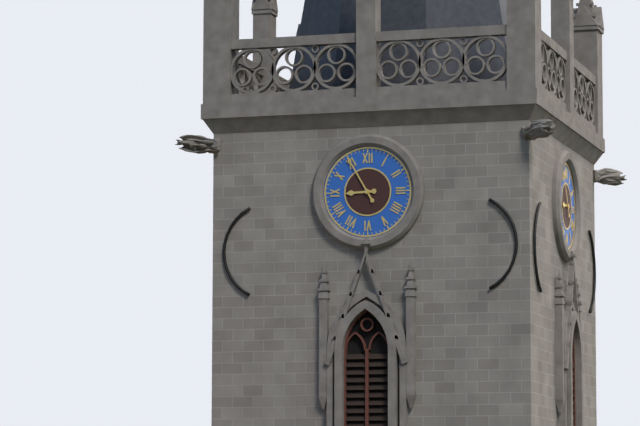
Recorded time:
{"hour": 8, "minute": 55}
